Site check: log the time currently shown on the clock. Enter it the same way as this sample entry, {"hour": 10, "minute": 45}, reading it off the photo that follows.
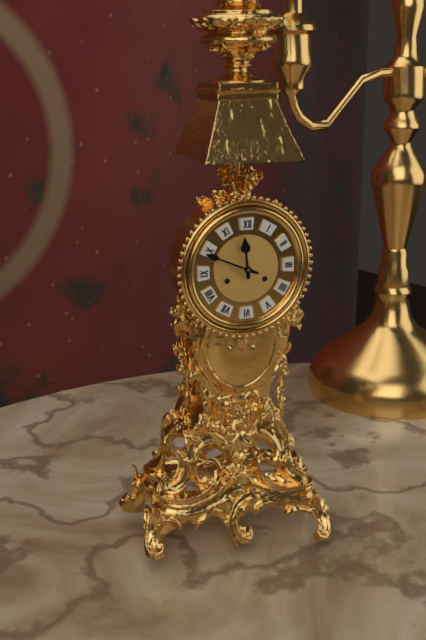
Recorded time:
{"hour": 11, "minute": 49}
